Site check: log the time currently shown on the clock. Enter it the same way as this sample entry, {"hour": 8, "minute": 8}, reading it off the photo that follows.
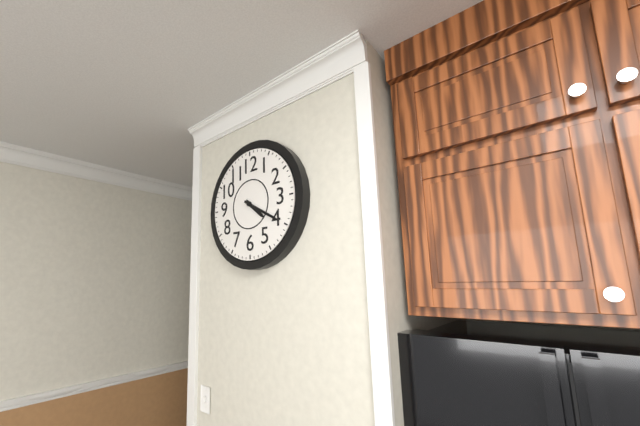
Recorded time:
{"hour": 4, "minute": 20}
